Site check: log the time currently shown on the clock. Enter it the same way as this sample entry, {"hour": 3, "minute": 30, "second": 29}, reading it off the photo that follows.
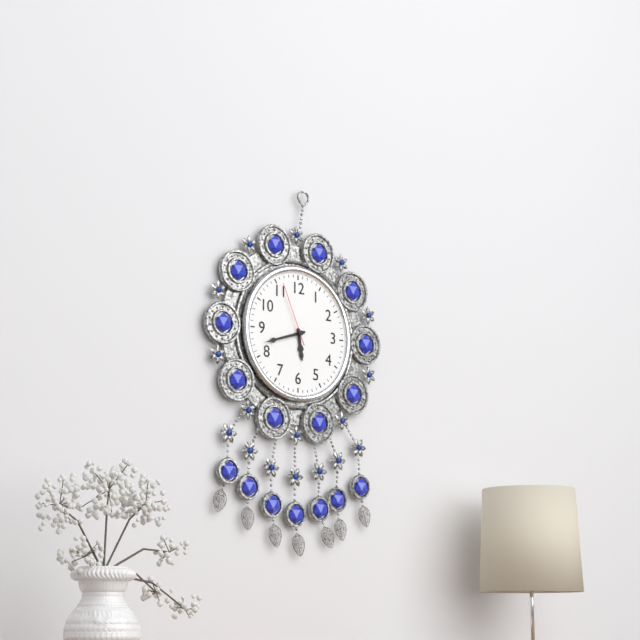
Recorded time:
{"hour": 5, "minute": 42, "second": 56}
